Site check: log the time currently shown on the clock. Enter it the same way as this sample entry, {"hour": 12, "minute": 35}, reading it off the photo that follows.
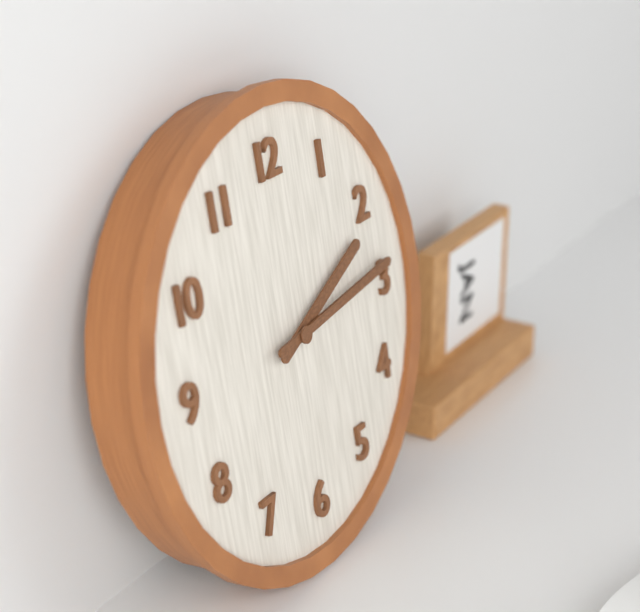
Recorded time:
{"hour": 2, "minute": 14}
